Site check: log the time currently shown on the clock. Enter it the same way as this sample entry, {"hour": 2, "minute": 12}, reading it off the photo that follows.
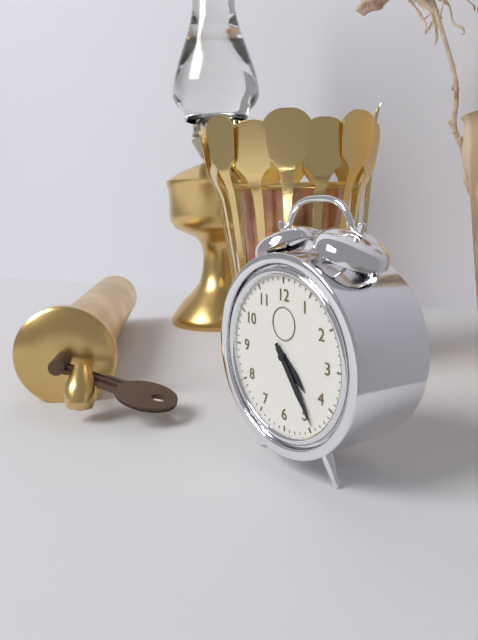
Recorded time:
{"hour": 4, "minute": 24}
